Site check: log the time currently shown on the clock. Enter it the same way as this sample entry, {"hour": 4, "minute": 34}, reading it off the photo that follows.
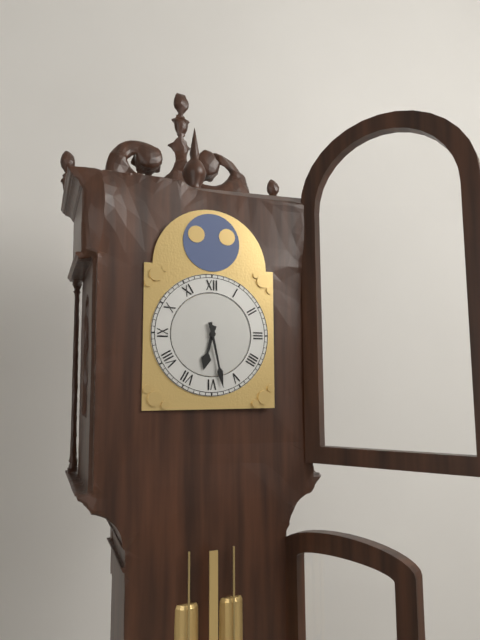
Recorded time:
{"hour": 6, "minute": 28}
